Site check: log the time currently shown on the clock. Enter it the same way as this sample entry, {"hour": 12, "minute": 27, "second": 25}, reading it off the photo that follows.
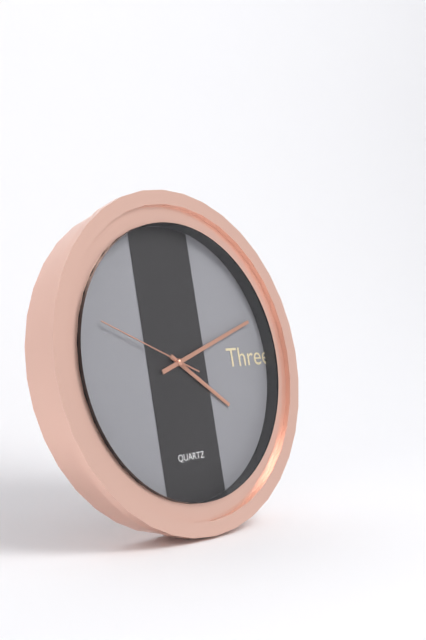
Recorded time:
{"hour": 4, "minute": 12, "second": 49}
